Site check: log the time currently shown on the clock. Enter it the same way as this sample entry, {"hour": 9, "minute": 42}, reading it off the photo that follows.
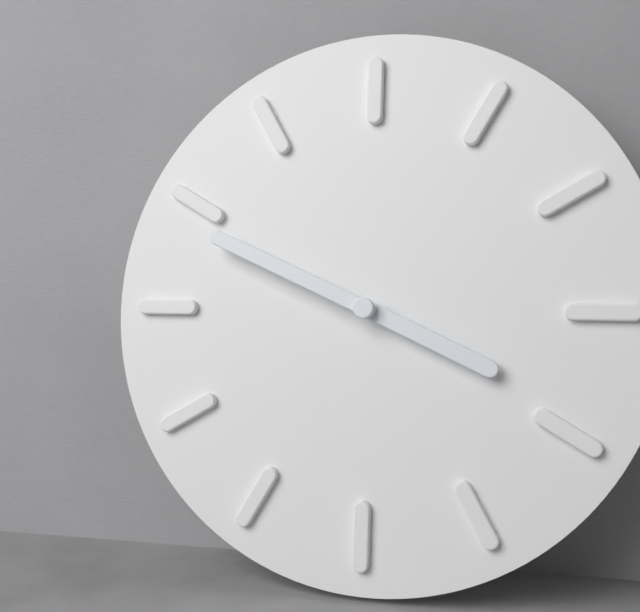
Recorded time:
{"hour": 3, "minute": 49}
